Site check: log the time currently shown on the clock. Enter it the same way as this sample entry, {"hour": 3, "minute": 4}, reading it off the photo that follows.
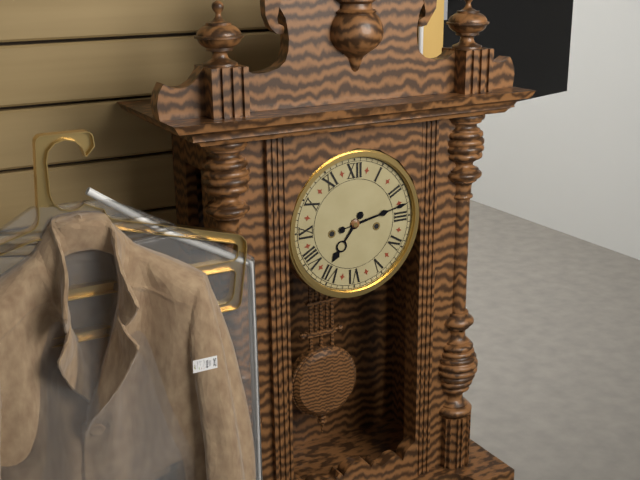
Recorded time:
{"hour": 7, "minute": 13}
